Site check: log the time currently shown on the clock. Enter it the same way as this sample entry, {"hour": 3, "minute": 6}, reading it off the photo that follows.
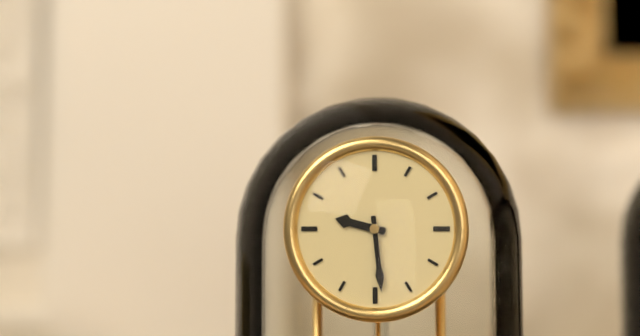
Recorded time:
{"hour": 9, "minute": 29}
